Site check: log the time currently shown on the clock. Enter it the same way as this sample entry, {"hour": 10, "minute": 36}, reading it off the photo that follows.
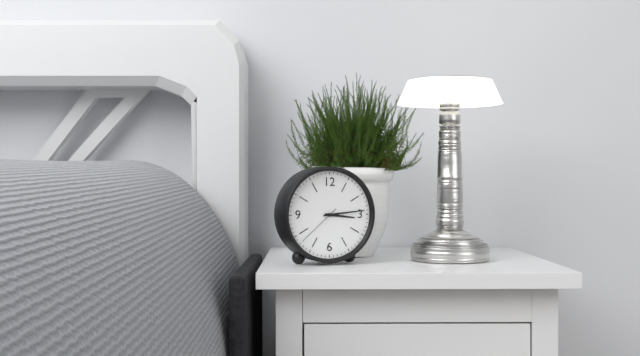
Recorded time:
{"hour": 3, "minute": 14}
